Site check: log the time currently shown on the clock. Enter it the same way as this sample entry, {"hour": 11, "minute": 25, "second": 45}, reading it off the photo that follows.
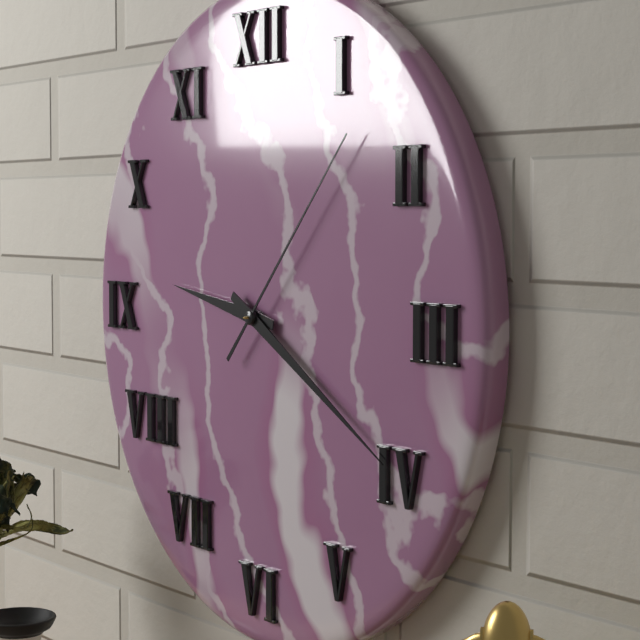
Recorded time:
{"hour": 9, "minute": 20, "second": 7}
